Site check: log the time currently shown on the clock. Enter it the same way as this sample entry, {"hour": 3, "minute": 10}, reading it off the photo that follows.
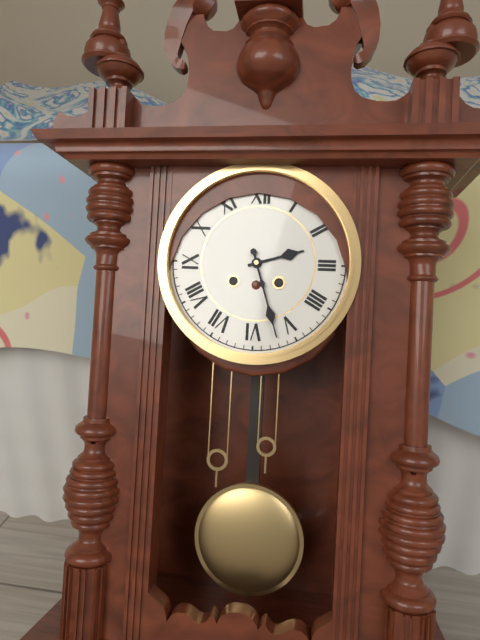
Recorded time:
{"hour": 2, "minute": 27}
